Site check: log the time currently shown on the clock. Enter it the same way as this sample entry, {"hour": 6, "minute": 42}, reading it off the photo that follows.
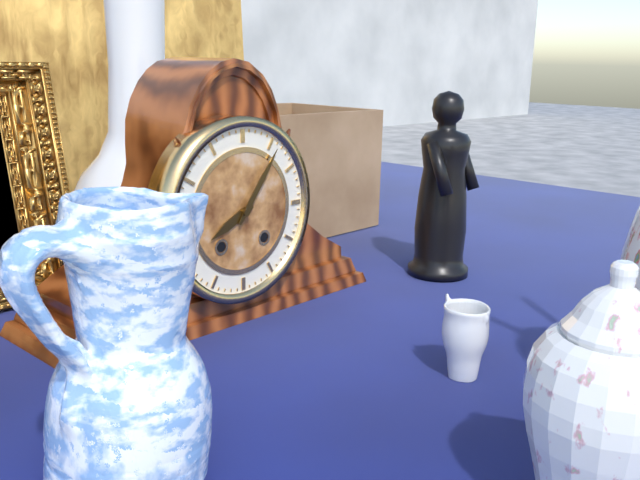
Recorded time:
{"hour": 8, "minute": 6}
